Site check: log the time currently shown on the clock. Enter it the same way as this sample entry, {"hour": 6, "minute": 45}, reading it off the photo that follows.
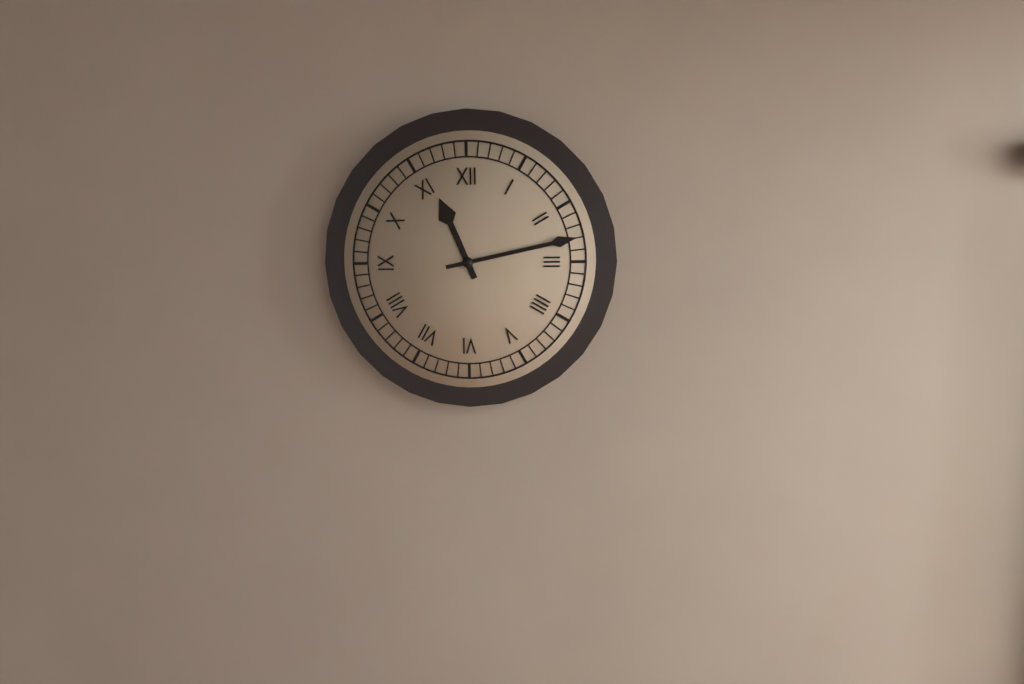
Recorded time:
{"hour": 11, "minute": 13}
